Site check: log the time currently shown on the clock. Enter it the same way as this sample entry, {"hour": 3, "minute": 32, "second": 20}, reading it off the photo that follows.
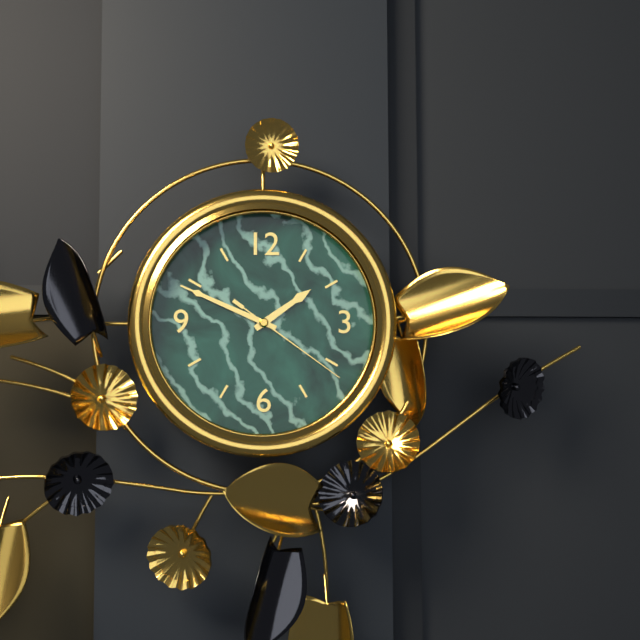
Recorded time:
{"hour": 1, "minute": 49, "second": 21}
